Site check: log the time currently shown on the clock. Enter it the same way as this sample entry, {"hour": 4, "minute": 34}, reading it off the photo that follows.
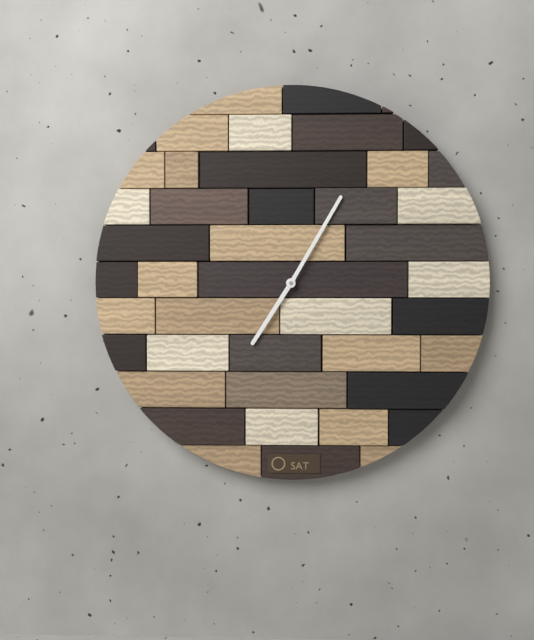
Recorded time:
{"hour": 7, "minute": 5}
